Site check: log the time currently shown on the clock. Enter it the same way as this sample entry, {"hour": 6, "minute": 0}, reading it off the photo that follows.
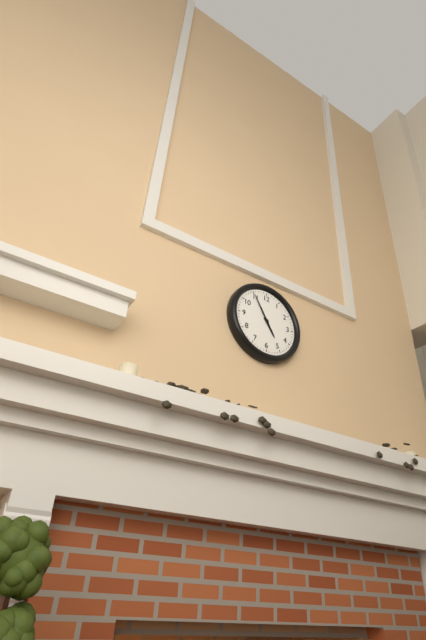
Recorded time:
{"hour": 4, "minute": 55}
